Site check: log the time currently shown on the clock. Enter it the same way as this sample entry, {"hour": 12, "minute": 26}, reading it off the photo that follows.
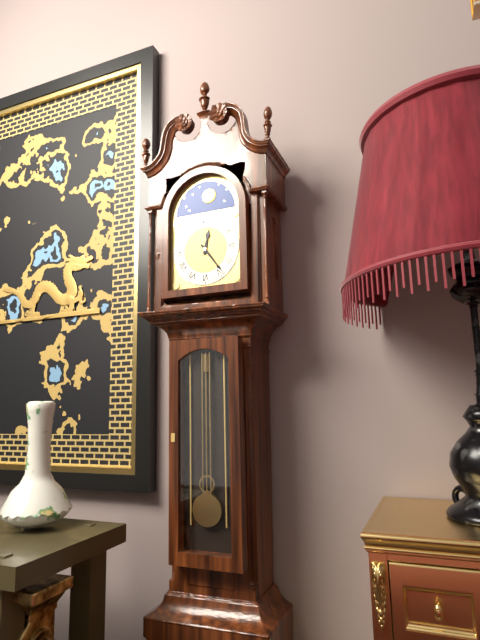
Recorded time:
{"hour": 12, "minute": 24}
